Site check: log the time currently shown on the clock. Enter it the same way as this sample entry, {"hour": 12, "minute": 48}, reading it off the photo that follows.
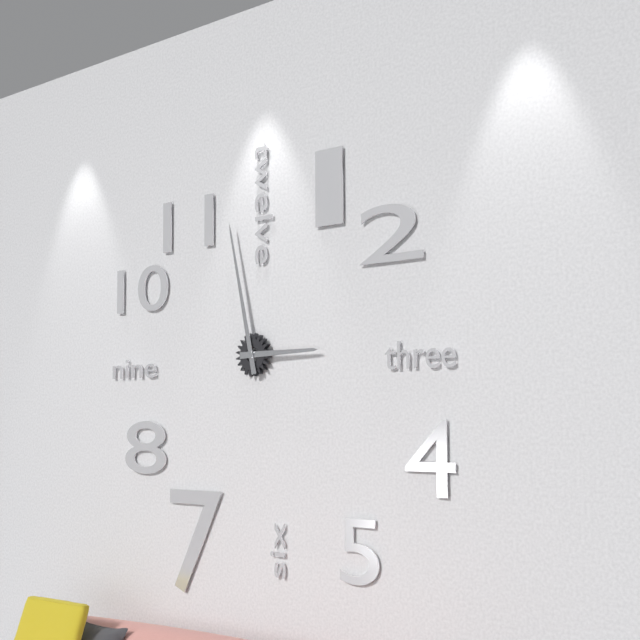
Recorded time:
{"hour": 2, "minute": 58}
